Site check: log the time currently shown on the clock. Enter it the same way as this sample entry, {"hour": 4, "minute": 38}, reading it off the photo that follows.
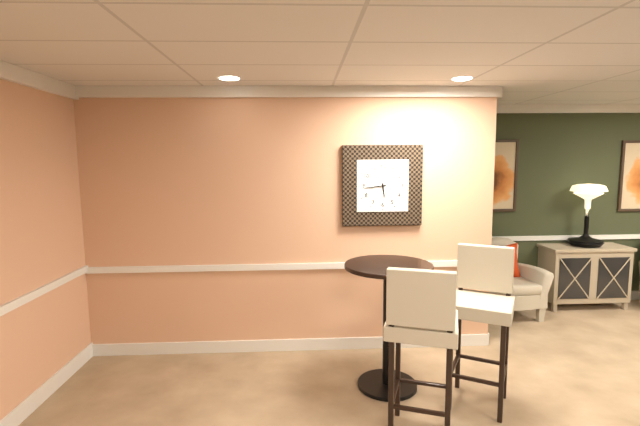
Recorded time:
{"hour": 5, "minute": 44}
